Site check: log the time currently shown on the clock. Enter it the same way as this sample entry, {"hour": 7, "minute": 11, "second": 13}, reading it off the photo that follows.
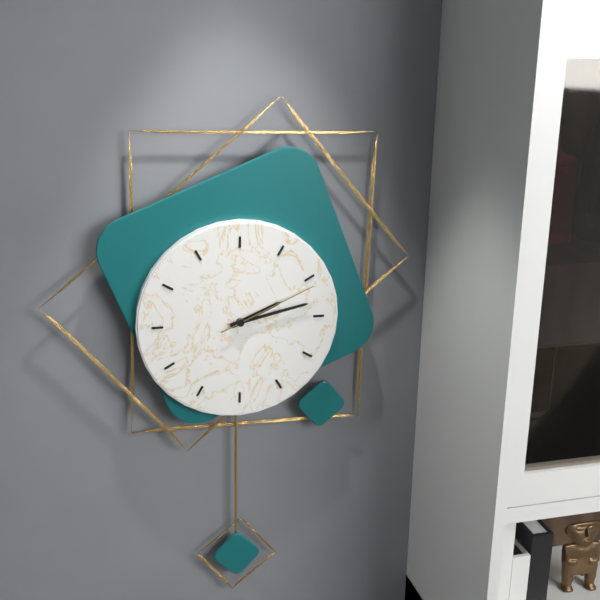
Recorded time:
{"hour": 2, "minute": 13, "second": 11}
